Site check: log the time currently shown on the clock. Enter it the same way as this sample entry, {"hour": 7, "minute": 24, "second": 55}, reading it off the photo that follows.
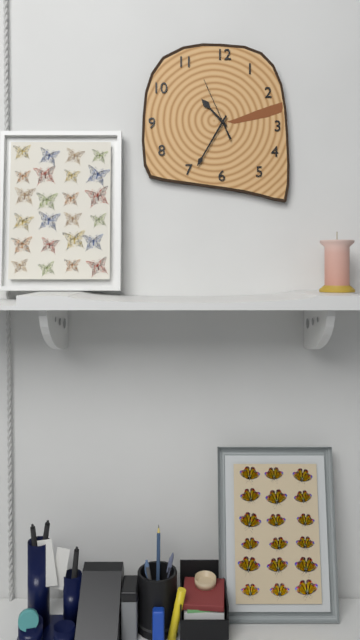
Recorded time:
{"hour": 10, "minute": 35, "second": 56}
